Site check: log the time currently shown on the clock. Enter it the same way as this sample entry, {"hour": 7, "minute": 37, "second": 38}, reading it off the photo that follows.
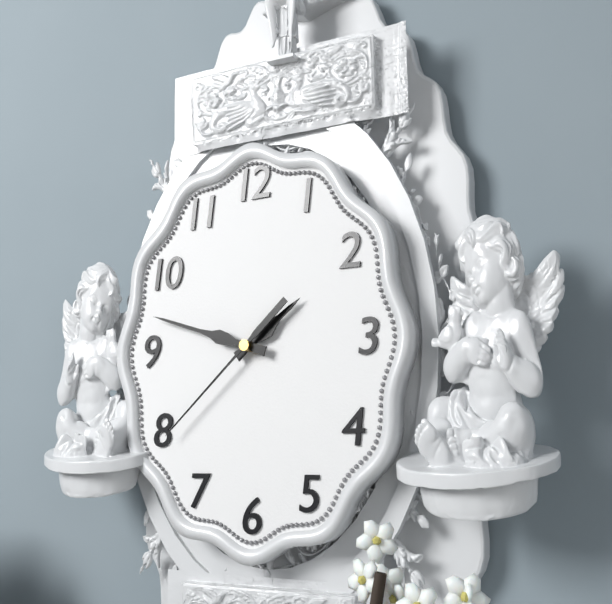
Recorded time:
{"hour": 1, "minute": 48, "second": 38}
